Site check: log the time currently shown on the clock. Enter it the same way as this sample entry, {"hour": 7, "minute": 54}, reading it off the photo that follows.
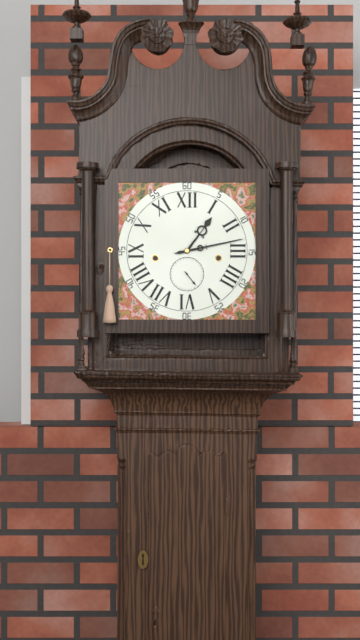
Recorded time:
{"hour": 1, "minute": 13}
